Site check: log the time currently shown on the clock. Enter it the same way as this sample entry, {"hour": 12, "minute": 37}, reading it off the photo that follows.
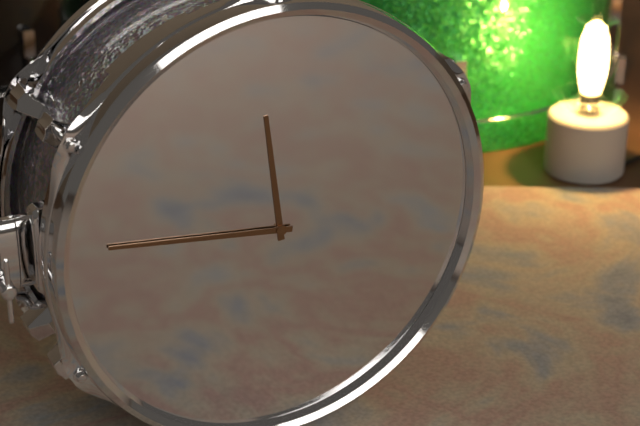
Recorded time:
{"hour": 11, "minute": 46}
